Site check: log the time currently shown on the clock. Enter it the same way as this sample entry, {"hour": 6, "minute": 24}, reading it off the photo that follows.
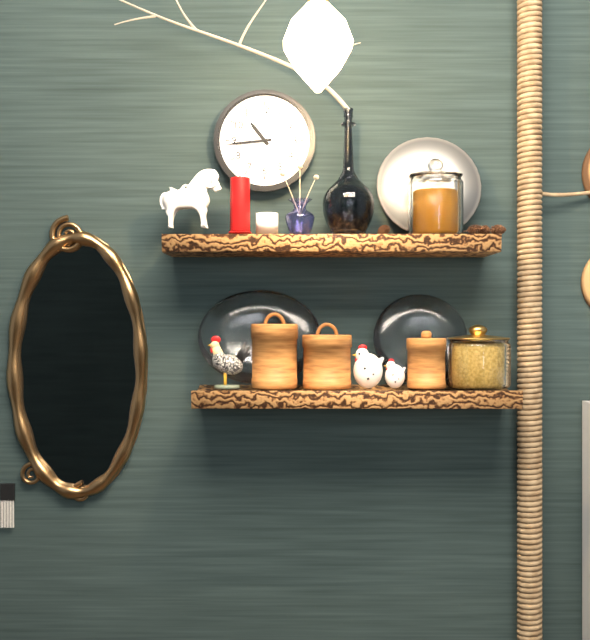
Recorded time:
{"hour": 10, "minute": 44}
